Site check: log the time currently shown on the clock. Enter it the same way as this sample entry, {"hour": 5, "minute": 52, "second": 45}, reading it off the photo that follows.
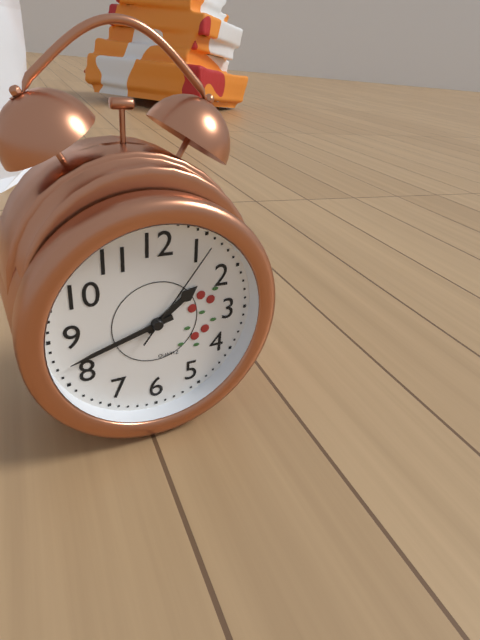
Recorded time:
{"hour": 1, "minute": 42, "second": 6}
